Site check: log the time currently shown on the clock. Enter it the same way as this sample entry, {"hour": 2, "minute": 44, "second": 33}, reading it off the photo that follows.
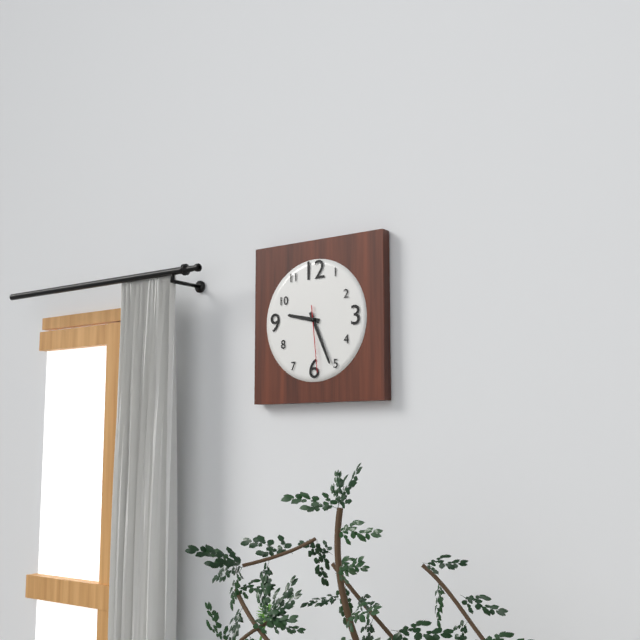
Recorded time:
{"hour": 9, "minute": 26, "second": 29}
